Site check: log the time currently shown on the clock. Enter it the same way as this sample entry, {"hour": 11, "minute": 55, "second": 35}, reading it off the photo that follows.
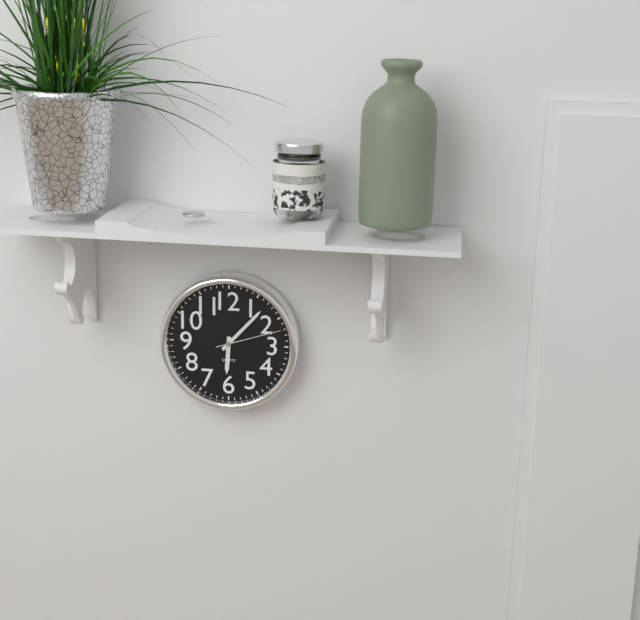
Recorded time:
{"hour": 6, "minute": 7, "second": 12}
